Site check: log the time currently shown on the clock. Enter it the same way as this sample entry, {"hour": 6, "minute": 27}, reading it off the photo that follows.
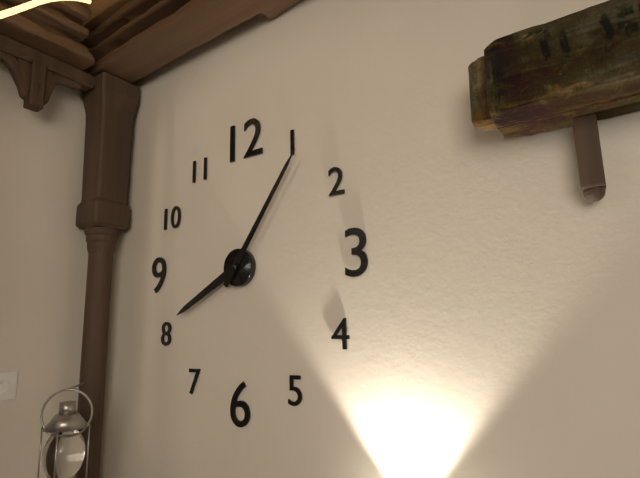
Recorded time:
{"hour": 8, "minute": 6}
